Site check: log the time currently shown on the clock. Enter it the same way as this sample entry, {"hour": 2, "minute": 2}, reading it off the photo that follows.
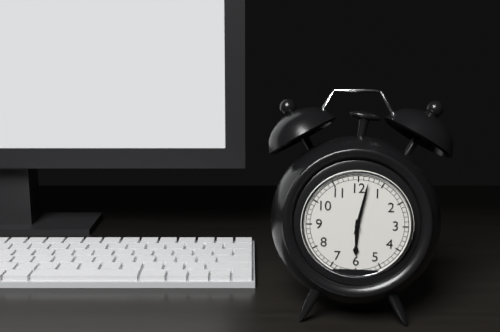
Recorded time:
{"hour": 6, "minute": 2}
